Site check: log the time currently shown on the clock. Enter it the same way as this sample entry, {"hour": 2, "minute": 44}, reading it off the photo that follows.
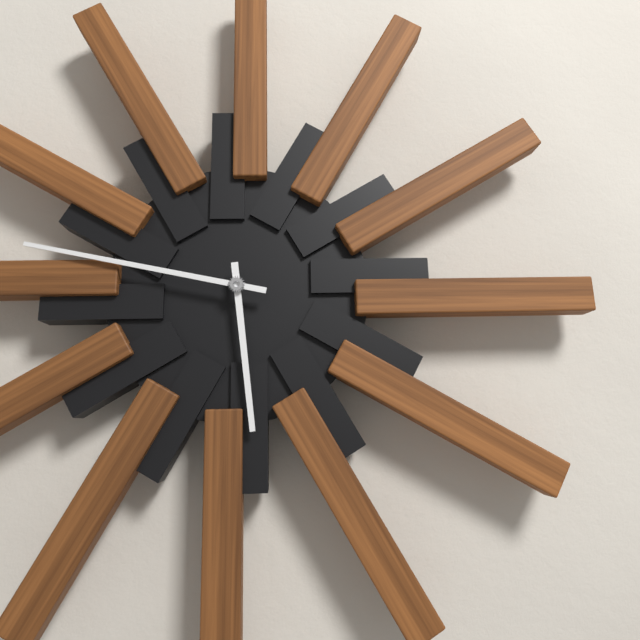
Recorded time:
{"hour": 5, "minute": 47}
